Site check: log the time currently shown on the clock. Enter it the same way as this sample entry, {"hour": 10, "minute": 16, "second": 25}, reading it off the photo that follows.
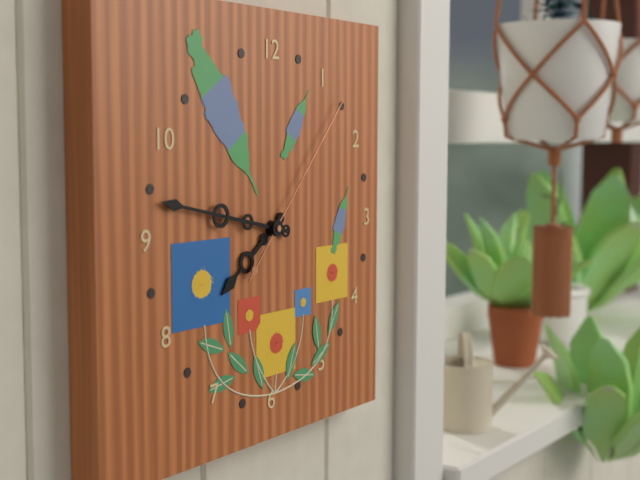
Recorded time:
{"hour": 7, "minute": 47, "second": 7}
